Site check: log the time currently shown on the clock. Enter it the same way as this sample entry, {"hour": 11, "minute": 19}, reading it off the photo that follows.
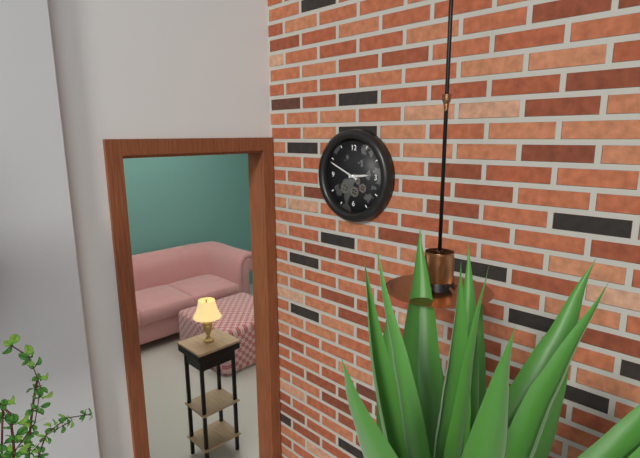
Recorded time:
{"hour": 2, "minute": 49}
